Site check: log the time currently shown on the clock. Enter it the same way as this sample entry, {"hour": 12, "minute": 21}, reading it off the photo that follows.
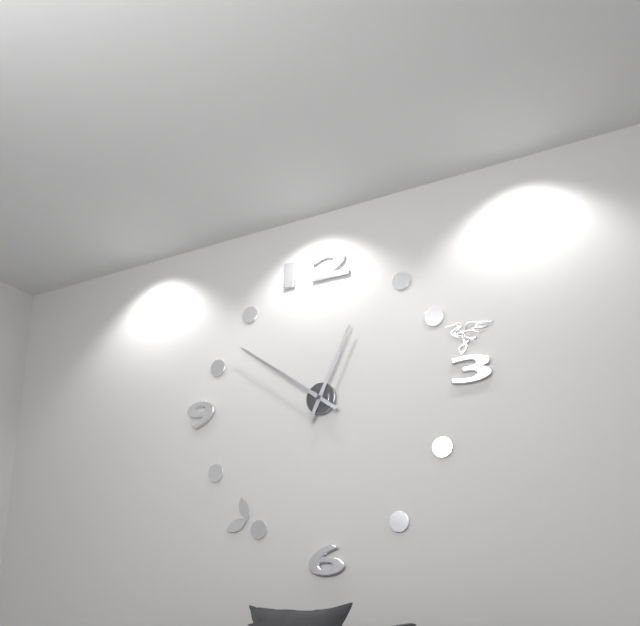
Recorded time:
{"hour": 12, "minute": 51}
